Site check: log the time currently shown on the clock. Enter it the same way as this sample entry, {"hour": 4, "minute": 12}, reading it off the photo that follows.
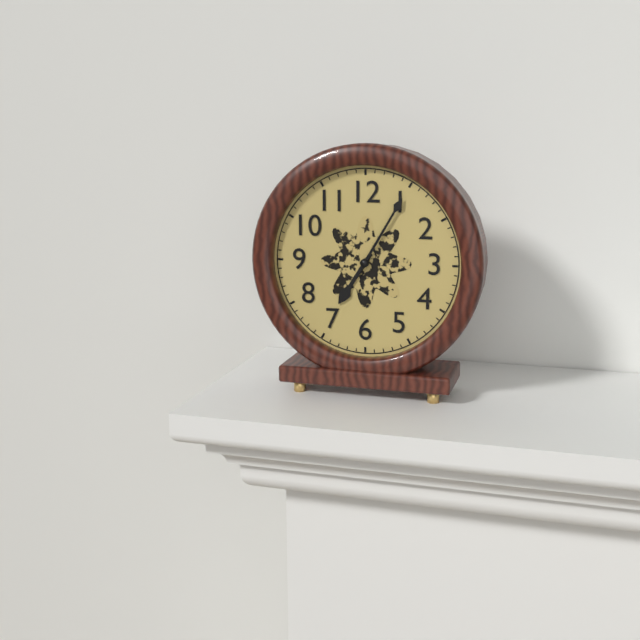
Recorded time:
{"hour": 7, "minute": 5}
